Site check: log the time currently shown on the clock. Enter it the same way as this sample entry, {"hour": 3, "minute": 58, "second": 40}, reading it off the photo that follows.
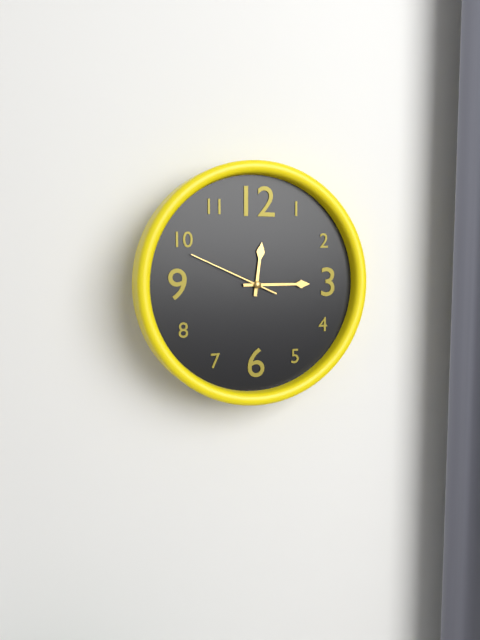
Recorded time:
{"hour": 12, "minute": 15, "second": 49}
